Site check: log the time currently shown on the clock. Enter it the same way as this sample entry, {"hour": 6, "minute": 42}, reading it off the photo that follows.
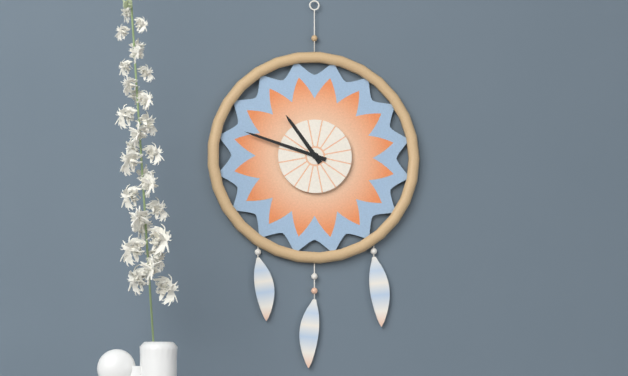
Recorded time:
{"hour": 10, "minute": 48}
